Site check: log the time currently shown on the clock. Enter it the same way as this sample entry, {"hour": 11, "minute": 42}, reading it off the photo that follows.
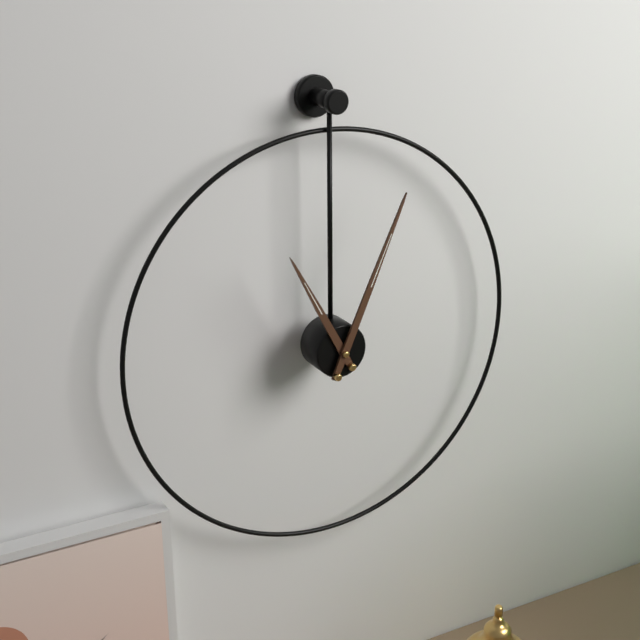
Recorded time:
{"hour": 11, "minute": 4}
